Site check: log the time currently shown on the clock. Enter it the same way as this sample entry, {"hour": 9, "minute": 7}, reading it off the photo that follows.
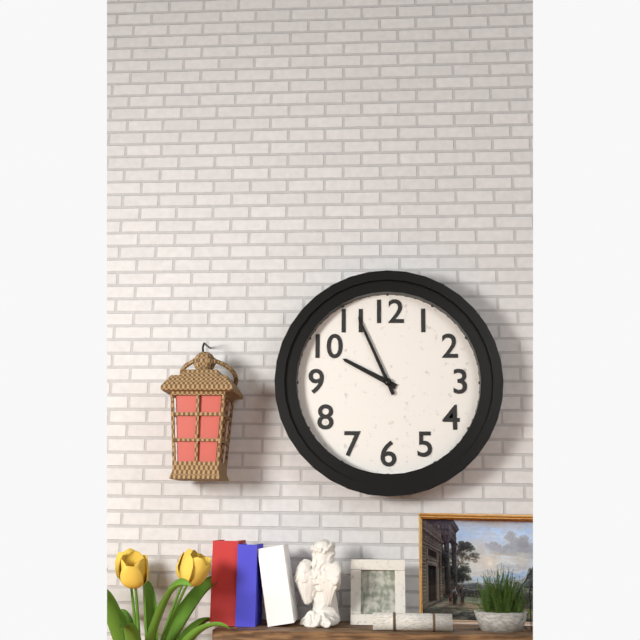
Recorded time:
{"hour": 9, "minute": 56}
